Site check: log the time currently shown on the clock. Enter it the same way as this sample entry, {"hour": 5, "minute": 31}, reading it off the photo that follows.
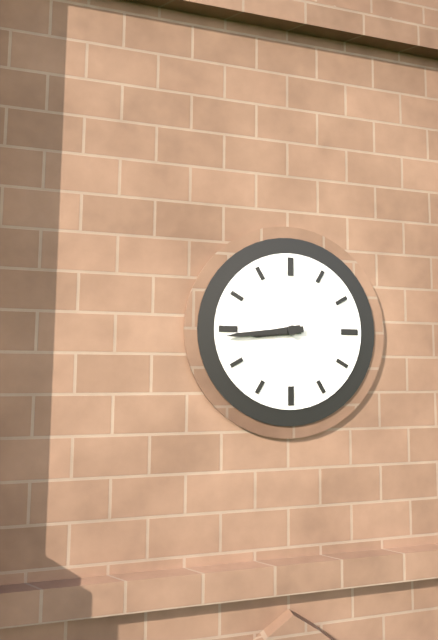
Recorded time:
{"hour": 8, "minute": 44}
